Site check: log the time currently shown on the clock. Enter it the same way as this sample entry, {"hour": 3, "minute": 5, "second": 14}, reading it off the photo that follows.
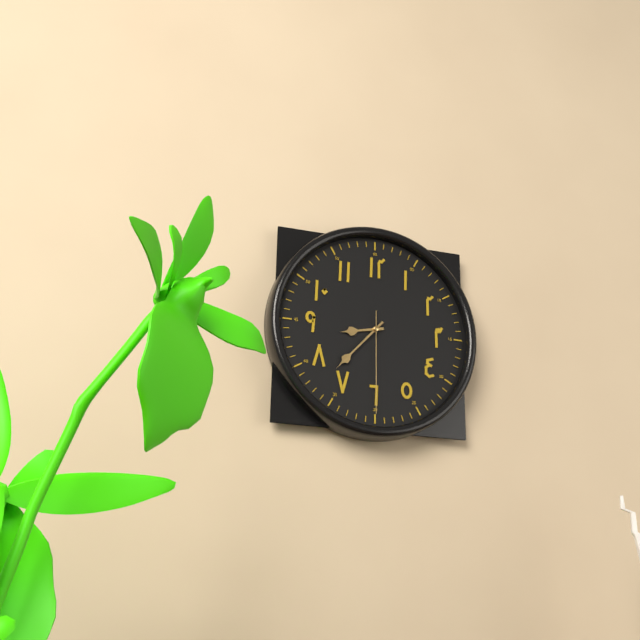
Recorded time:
{"hour": 8, "minute": 37, "second": 30}
